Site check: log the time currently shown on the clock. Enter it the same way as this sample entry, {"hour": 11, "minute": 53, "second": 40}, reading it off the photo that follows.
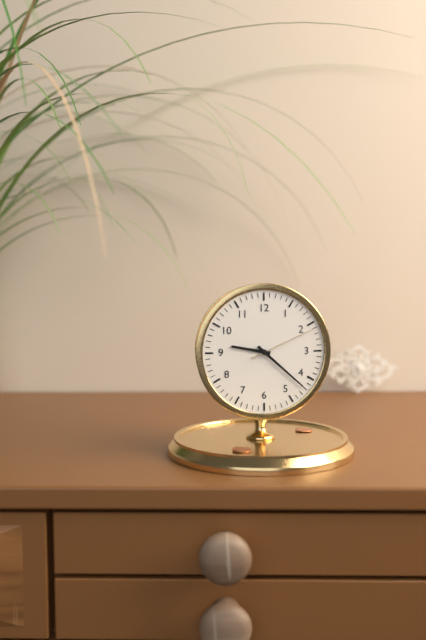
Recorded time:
{"hour": 9, "minute": 22, "second": 11}
